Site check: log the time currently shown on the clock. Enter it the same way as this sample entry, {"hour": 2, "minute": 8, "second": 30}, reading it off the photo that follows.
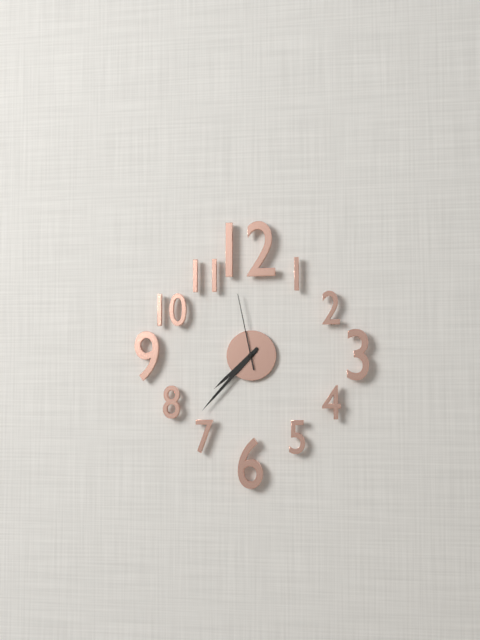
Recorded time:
{"hour": 7, "minute": 37, "second": 58}
